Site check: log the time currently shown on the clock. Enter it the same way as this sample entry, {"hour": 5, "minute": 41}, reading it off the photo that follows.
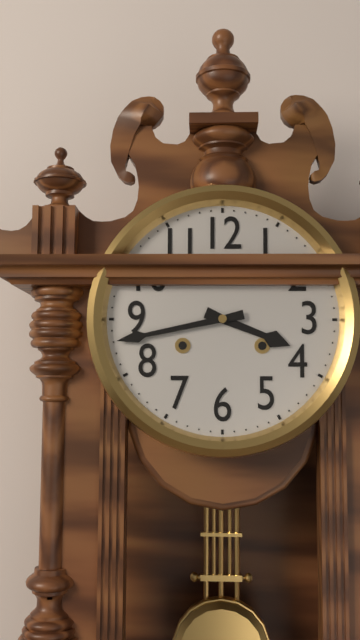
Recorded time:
{"hour": 3, "minute": 43}
